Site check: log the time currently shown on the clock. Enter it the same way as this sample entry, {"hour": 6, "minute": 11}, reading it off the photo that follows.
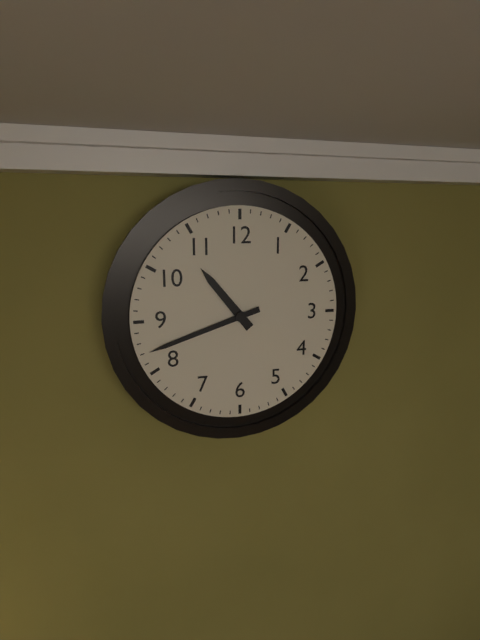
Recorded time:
{"hour": 10, "minute": 42}
